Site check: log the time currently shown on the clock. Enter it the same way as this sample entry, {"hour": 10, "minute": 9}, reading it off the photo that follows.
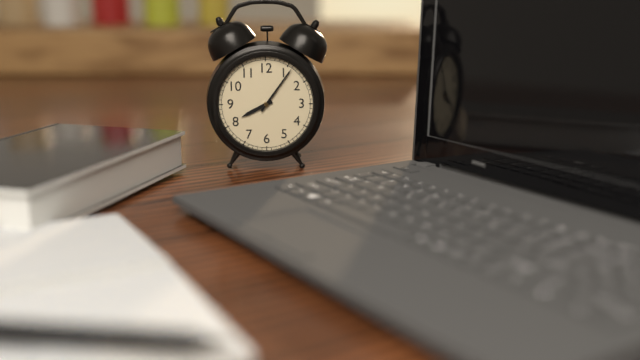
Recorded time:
{"hour": 8, "minute": 6}
